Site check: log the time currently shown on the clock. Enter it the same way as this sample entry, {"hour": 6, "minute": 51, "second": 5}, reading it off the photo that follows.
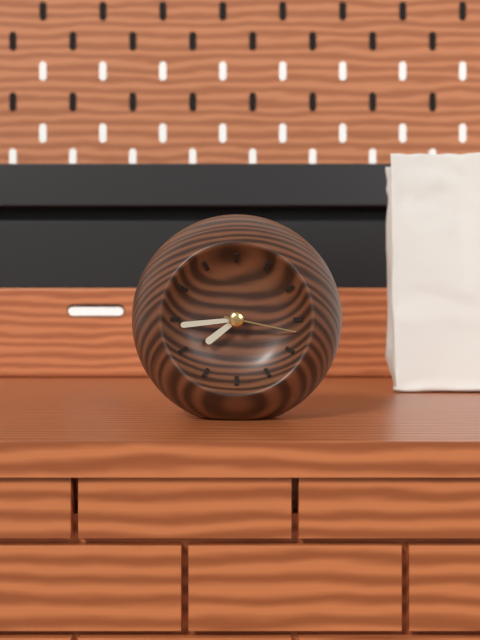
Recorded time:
{"hour": 7, "minute": 44, "second": 17}
